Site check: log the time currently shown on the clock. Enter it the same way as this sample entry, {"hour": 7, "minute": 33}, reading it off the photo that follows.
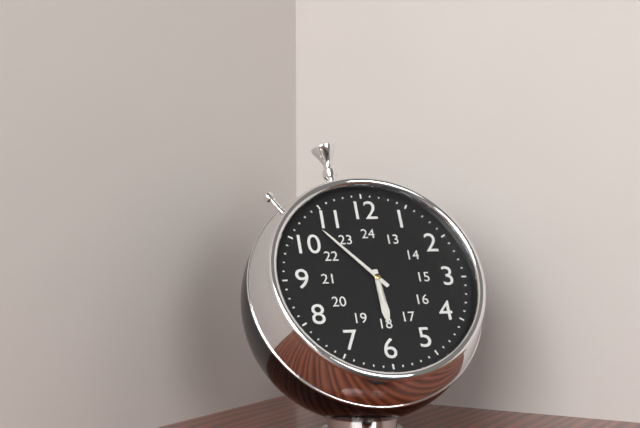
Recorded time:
{"hour": 5, "minute": 53}
